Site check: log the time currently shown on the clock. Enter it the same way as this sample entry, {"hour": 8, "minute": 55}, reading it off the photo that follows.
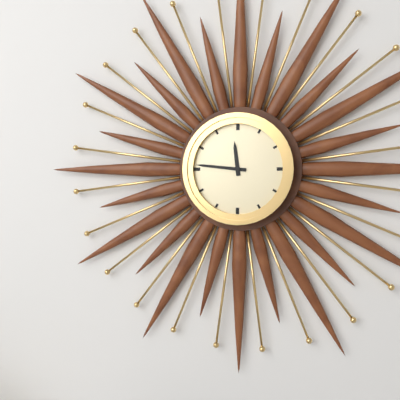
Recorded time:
{"hour": 11, "minute": 46}
